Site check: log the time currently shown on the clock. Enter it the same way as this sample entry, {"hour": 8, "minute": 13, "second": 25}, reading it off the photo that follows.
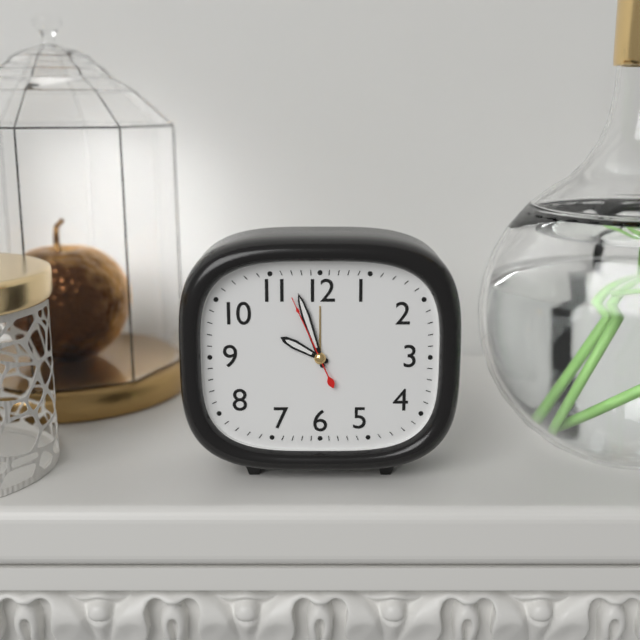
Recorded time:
{"hour": 9, "minute": 57, "second": 56}
